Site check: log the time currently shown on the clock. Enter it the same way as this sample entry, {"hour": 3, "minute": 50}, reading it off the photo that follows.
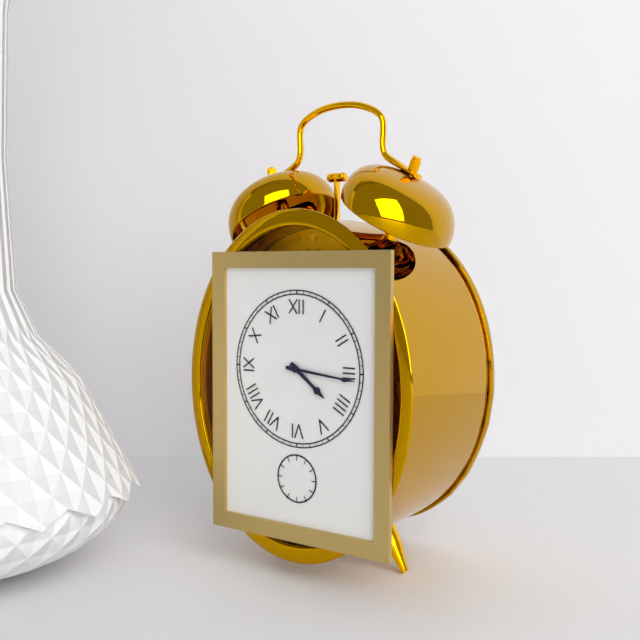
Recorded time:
{"hour": 4, "minute": 16}
